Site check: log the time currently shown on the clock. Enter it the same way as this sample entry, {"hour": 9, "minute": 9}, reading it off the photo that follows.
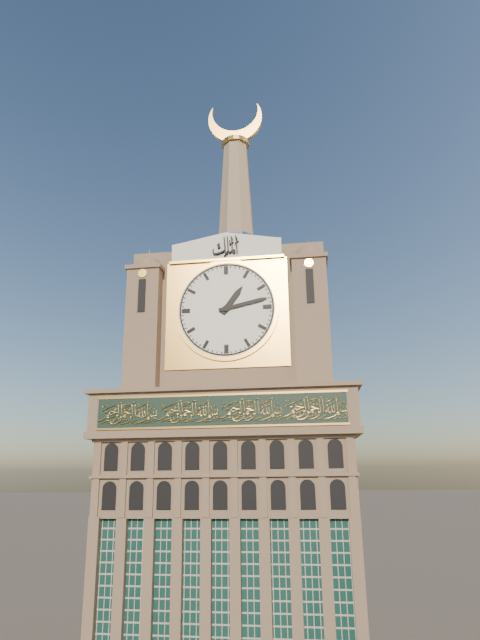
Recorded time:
{"hour": 1, "minute": 13}
